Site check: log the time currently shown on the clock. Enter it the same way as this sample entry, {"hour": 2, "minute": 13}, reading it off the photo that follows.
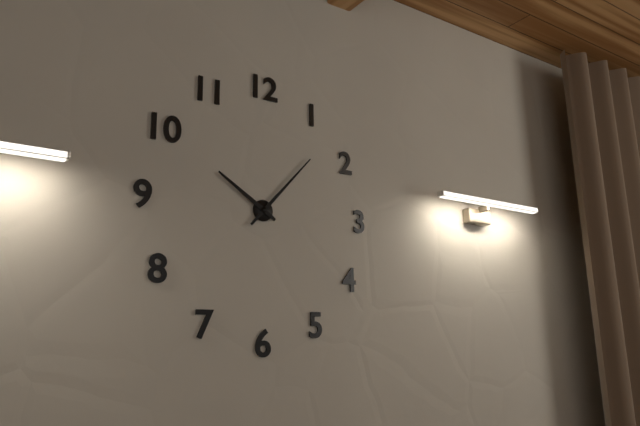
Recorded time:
{"hour": 10, "minute": 7}
